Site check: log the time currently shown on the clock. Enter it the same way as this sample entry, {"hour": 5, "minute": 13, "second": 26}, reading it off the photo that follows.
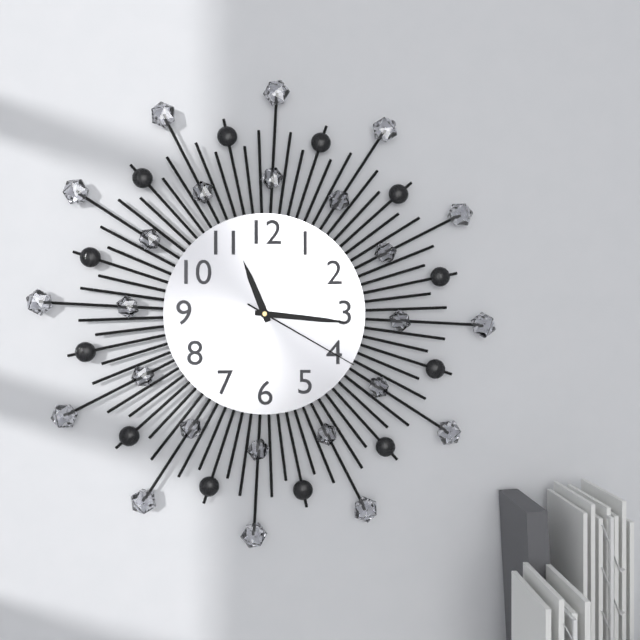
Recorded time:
{"hour": 11, "minute": 16, "second": 20}
